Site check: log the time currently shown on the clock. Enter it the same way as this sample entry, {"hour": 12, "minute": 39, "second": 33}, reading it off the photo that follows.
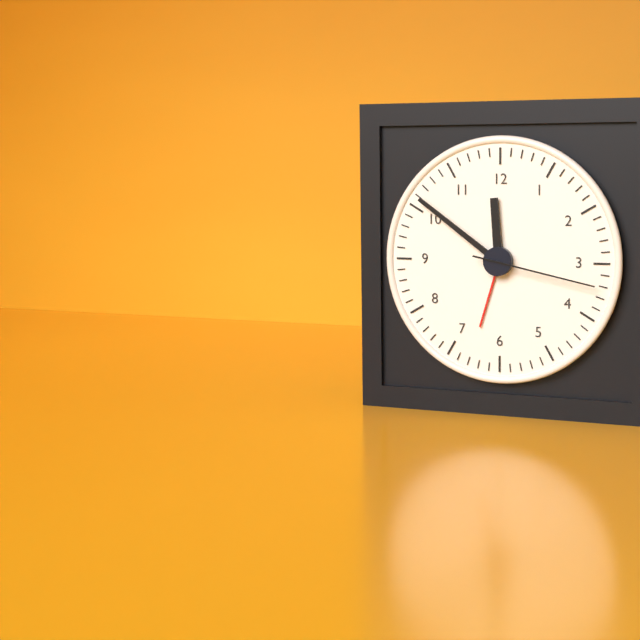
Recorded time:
{"hour": 11, "minute": 51, "second": 17}
